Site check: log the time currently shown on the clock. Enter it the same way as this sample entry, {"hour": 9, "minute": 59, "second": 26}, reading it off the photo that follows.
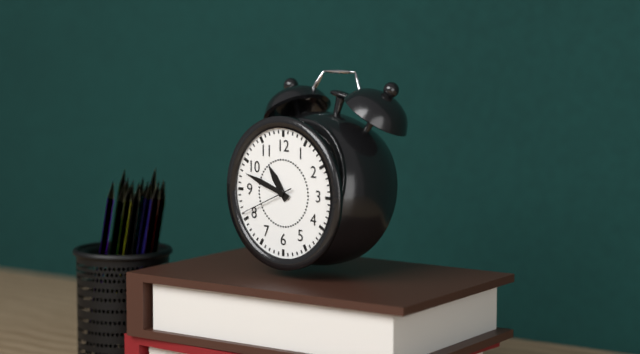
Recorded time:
{"hour": 10, "minute": 48, "second": 41}
